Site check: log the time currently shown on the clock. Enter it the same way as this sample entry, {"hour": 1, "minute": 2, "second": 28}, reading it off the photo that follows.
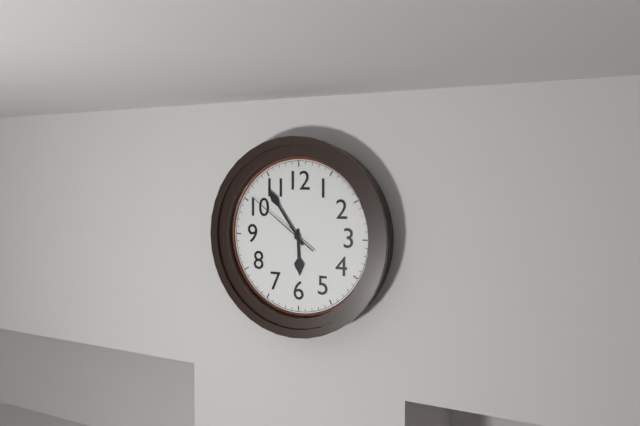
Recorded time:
{"hour": 5, "minute": 54, "second": 51}
